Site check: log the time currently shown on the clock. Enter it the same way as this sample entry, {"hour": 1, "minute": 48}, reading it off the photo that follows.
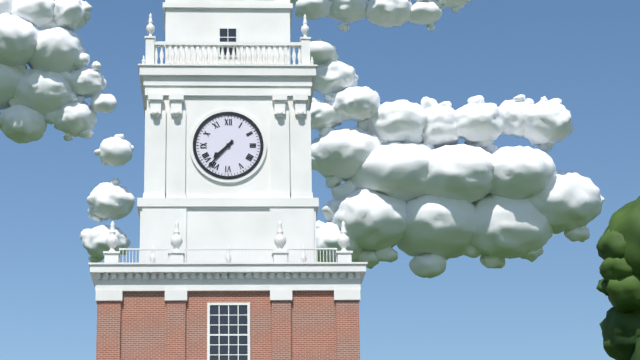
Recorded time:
{"hour": 7, "minute": 37}
